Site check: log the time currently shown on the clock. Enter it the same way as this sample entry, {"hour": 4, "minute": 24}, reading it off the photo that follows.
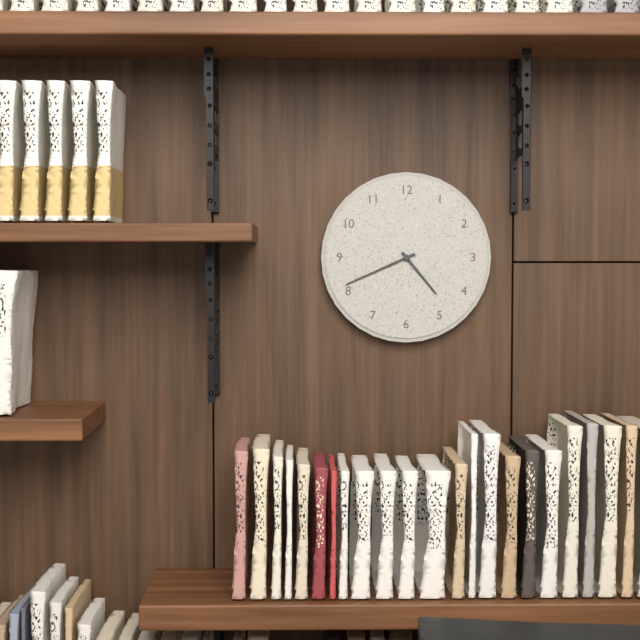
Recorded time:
{"hour": 4, "minute": 41}
